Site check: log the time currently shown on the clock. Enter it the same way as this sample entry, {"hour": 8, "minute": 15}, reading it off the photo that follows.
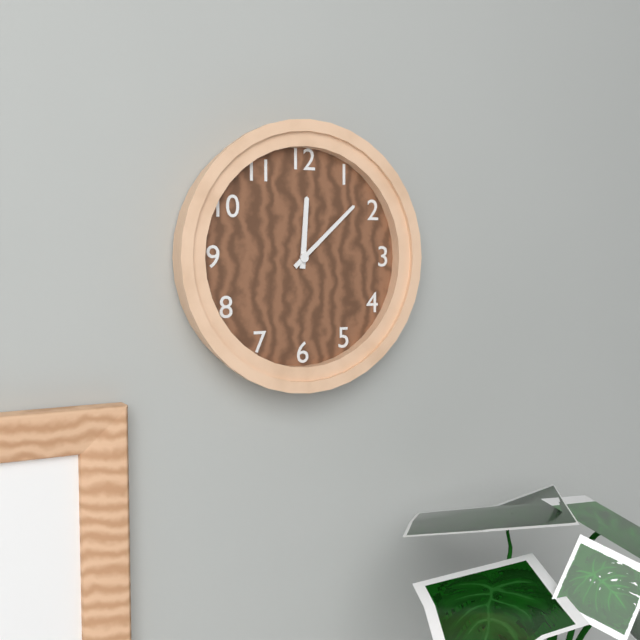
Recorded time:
{"hour": 12, "minute": 8}
